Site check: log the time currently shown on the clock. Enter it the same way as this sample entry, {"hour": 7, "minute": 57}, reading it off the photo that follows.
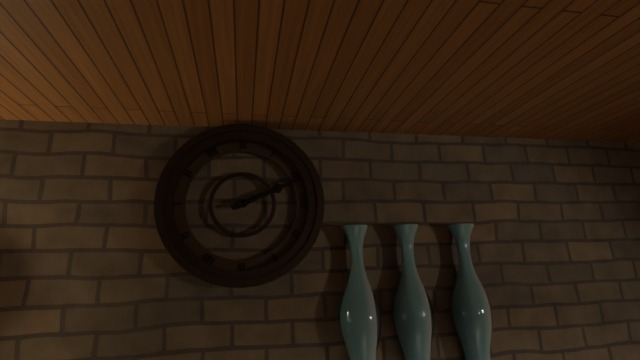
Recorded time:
{"hour": 2, "minute": 11}
